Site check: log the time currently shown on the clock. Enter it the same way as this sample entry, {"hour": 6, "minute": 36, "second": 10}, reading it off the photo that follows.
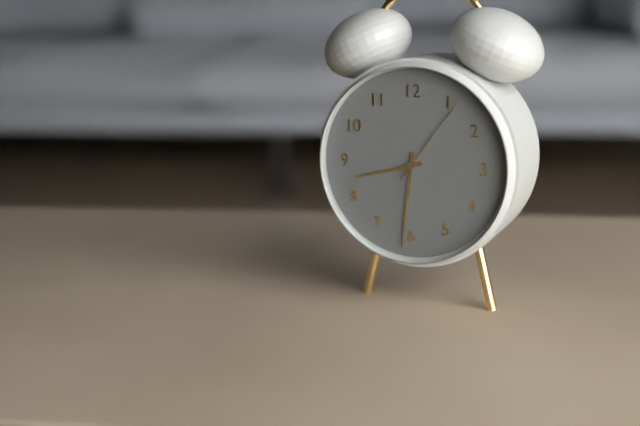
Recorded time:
{"hour": 8, "minute": 31, "second": 6}
